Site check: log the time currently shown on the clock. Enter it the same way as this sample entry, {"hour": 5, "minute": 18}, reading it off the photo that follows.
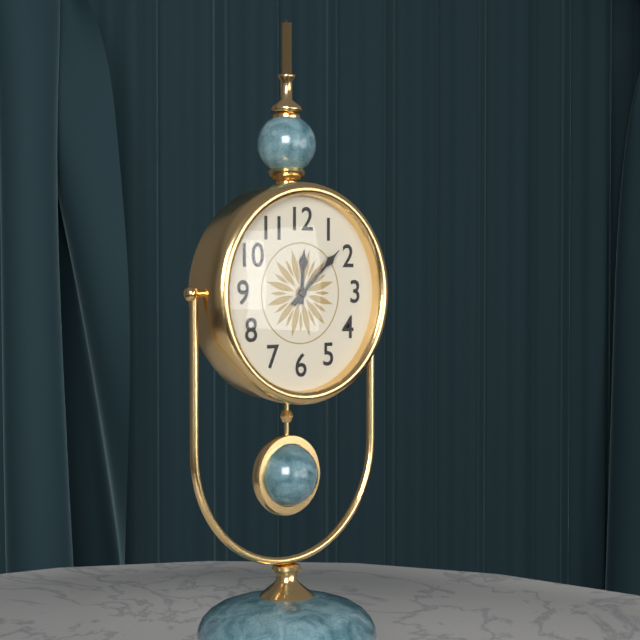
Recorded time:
{"hour": 12, "minute": 8}
